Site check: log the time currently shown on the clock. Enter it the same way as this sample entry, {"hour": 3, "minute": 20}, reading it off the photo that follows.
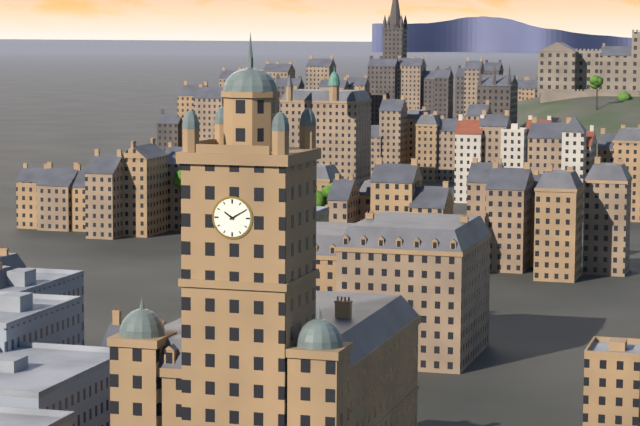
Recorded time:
{"hour": 10, "minute": 10}
